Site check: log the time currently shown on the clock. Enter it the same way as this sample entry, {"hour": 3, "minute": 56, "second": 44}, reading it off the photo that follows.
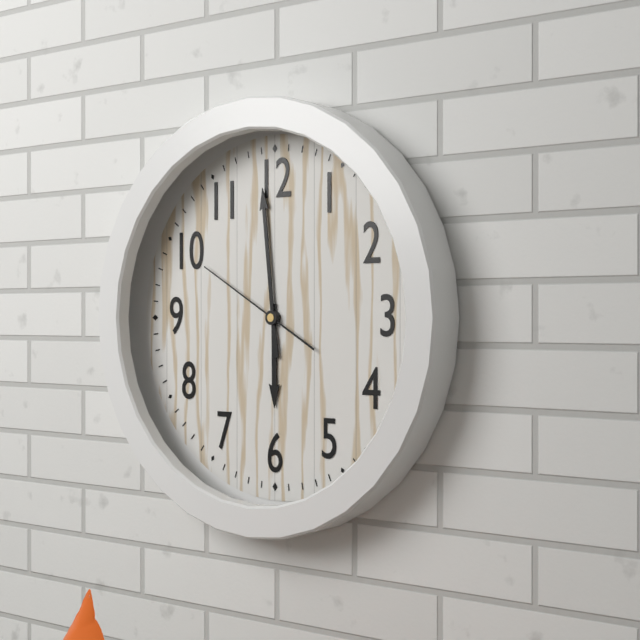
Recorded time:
{"hour": 5, "minute": 59, "second": 50}
